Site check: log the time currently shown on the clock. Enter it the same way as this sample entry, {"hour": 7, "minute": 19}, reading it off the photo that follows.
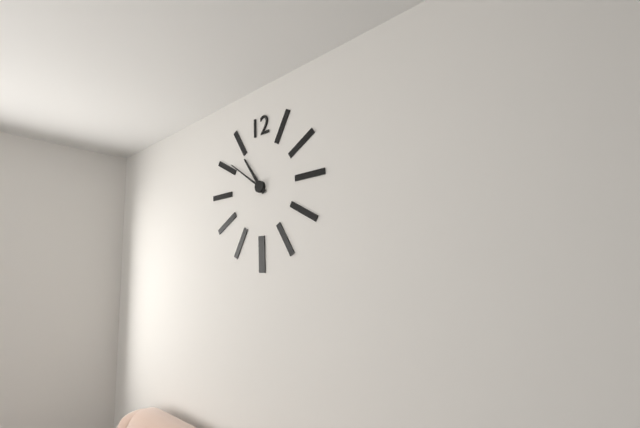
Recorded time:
{"hour": 10, "minute": 51}
